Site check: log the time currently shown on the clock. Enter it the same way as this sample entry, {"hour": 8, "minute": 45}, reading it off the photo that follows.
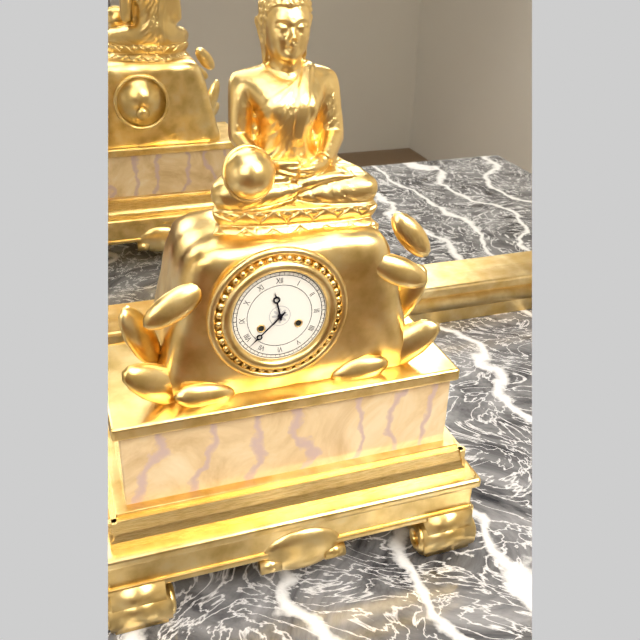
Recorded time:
{"hour": 11, "minute": 38}
